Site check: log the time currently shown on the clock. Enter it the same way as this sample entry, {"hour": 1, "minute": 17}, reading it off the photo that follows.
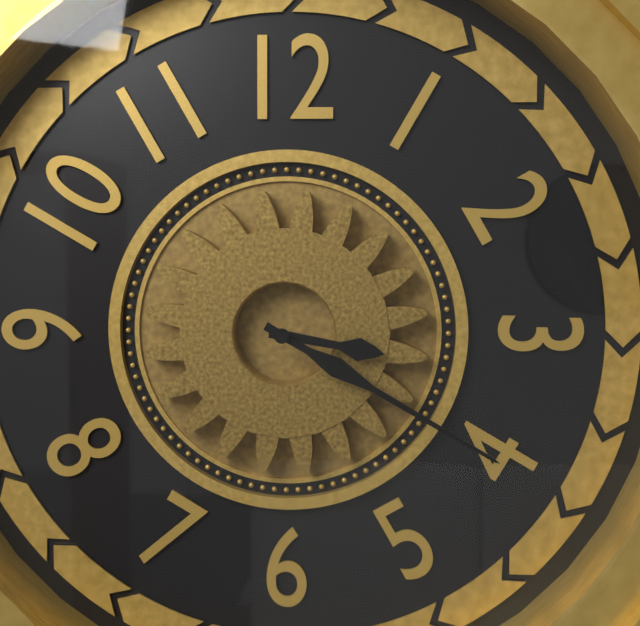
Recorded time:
{"hour": 3, "minute": 20}
